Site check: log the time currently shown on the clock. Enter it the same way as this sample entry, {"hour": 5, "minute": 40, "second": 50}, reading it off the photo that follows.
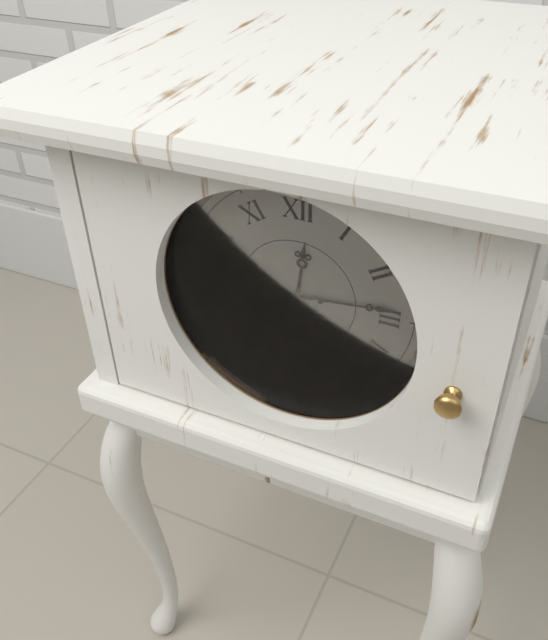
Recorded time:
{"hour": 12, "minute": 14, "second": 44}
